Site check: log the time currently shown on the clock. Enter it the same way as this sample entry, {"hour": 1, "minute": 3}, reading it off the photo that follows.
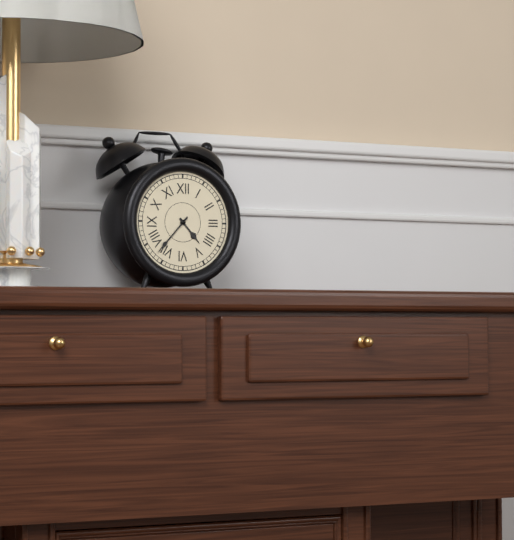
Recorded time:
{"hour": 4, "minute": 37}
